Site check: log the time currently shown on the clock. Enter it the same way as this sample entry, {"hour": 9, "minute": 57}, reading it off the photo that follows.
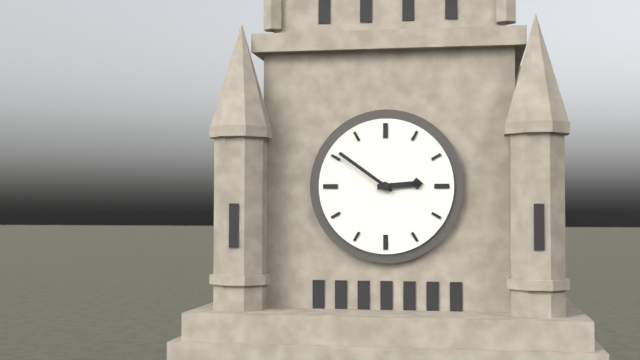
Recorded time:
{"hour": 2, "minute": 51}
